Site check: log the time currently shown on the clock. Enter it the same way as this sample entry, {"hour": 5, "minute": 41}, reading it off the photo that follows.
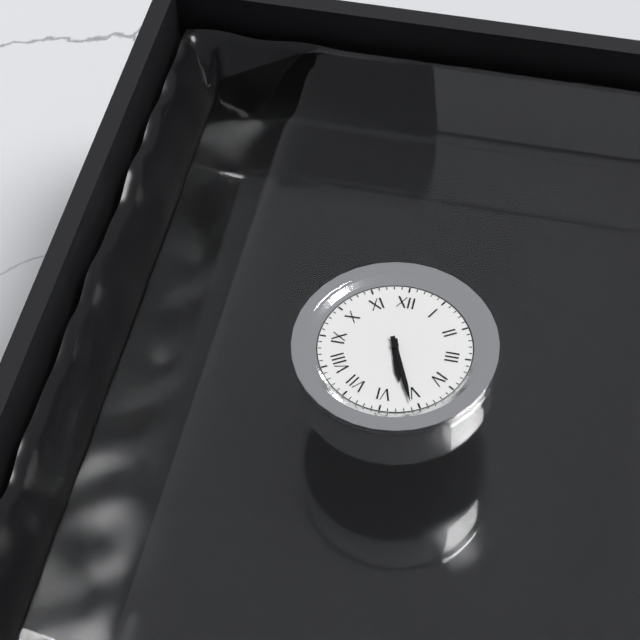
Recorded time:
{"hour": 5, "minute": 26}
